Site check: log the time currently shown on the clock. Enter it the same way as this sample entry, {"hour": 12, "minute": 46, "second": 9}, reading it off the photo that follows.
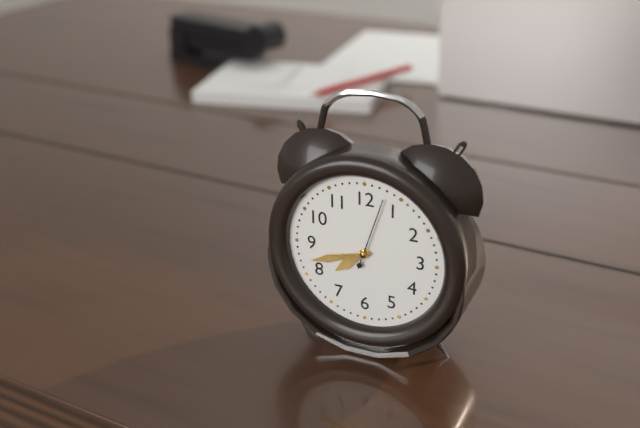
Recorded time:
{"hour": 7, "minute": 42, "second": 3}
